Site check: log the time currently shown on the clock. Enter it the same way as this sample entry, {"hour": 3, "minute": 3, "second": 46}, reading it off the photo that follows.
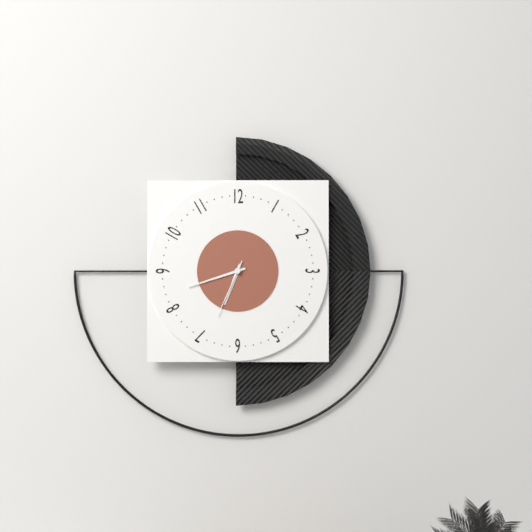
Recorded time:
{"hour": 6, "minute": 42, "second": 34}
